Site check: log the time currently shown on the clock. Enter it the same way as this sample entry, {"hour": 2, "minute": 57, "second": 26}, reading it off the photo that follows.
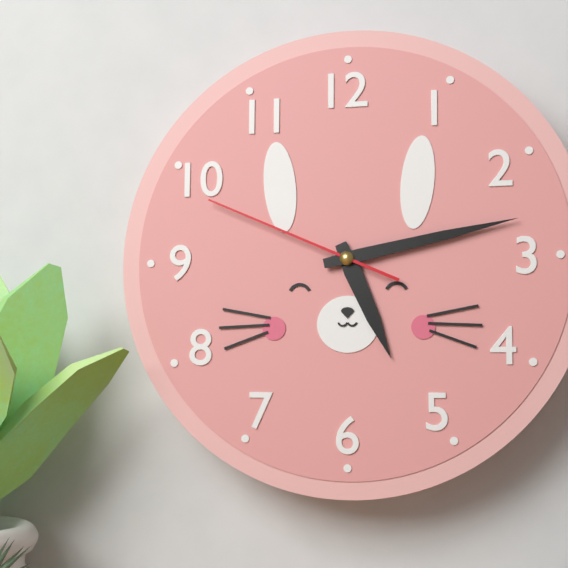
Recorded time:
{"hour": 5, "minute": 13, "second": 49}
